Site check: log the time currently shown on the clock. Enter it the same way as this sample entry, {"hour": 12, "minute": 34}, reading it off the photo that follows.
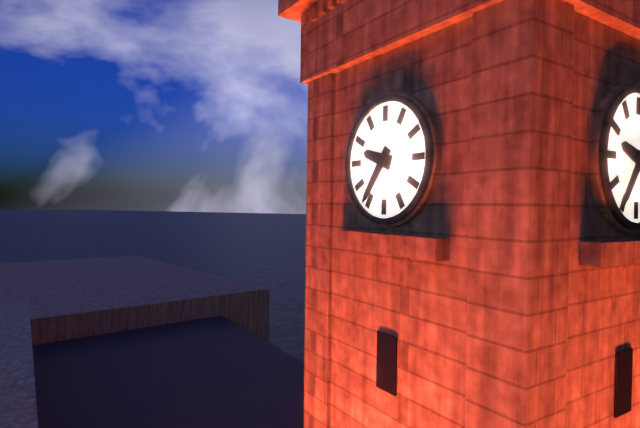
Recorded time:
{"hour": 9, "minute": 36}
